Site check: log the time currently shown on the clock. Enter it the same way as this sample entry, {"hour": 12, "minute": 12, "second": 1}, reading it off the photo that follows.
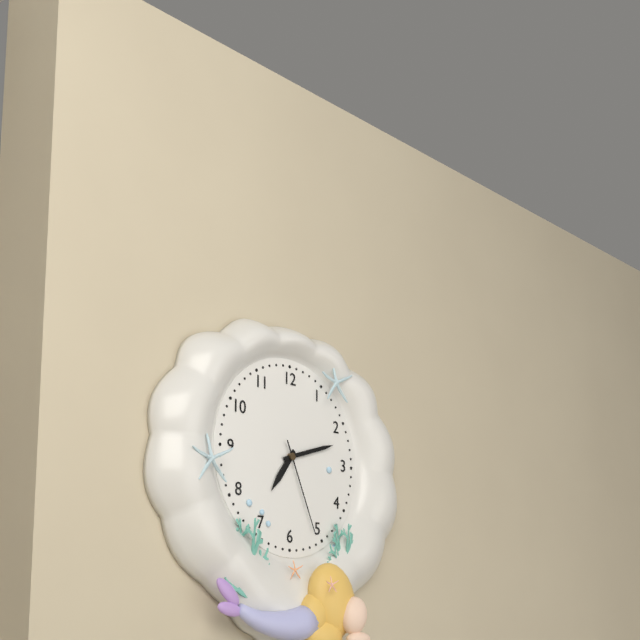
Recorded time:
{"hour": 7, "minute": 12, "second": 26}
